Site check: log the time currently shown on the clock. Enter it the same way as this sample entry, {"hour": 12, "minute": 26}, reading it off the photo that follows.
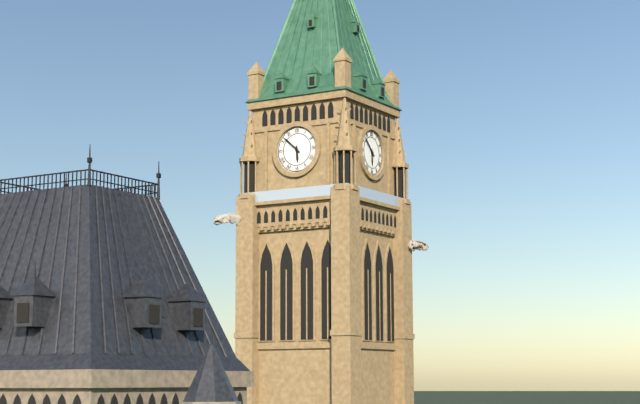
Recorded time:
{"hour": 5, "minute": 52}
